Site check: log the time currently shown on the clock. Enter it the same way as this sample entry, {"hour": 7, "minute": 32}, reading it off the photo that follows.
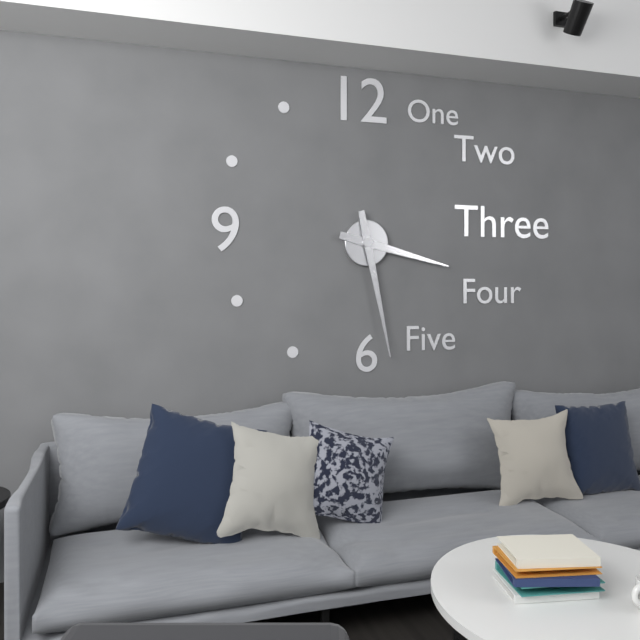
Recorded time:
{"hour": 3, "minute": 28}
